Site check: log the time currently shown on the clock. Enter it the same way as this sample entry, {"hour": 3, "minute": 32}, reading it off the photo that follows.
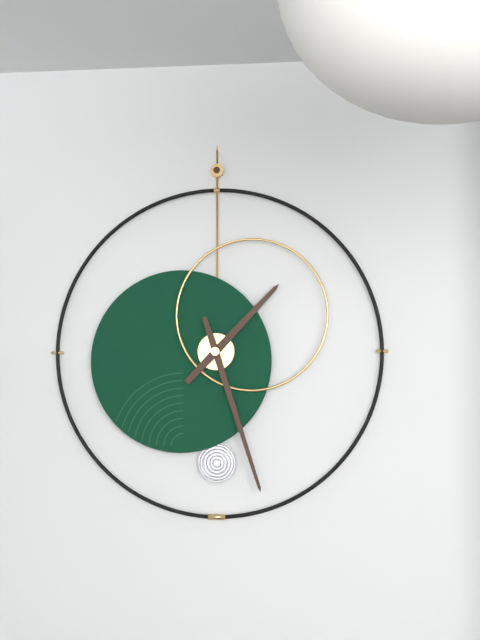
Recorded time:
{"hour": 1, "minute": 27}
